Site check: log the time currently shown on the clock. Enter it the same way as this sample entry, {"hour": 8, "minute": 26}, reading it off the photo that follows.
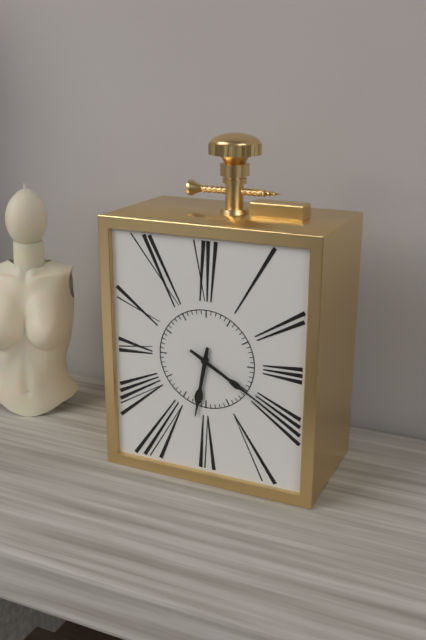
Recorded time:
{"hour": 6, "minute": 20}
